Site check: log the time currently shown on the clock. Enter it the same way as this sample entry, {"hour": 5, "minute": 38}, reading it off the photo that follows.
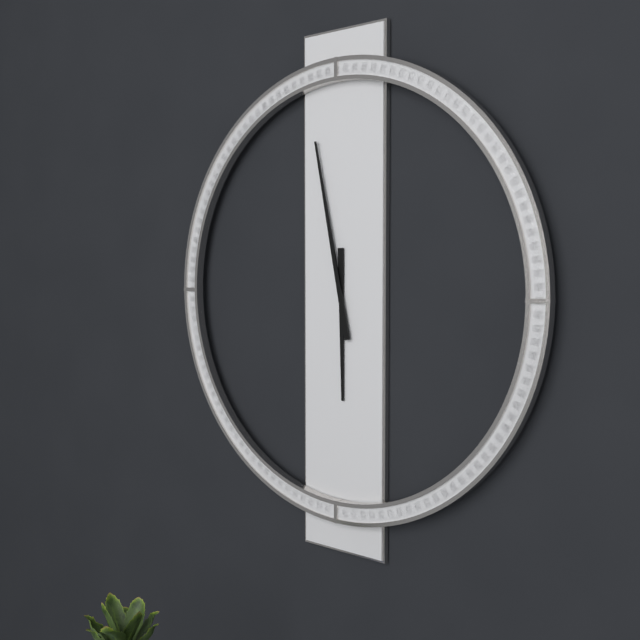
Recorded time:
{"hour": 5, "minute": 58}
